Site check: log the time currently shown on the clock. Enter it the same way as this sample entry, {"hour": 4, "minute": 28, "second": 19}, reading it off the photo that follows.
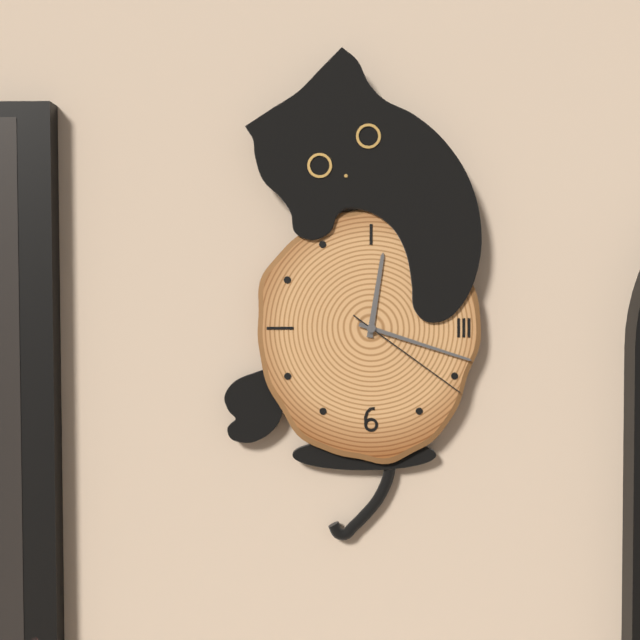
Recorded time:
{"hour": 12, "minute": 18, "second": 21}
